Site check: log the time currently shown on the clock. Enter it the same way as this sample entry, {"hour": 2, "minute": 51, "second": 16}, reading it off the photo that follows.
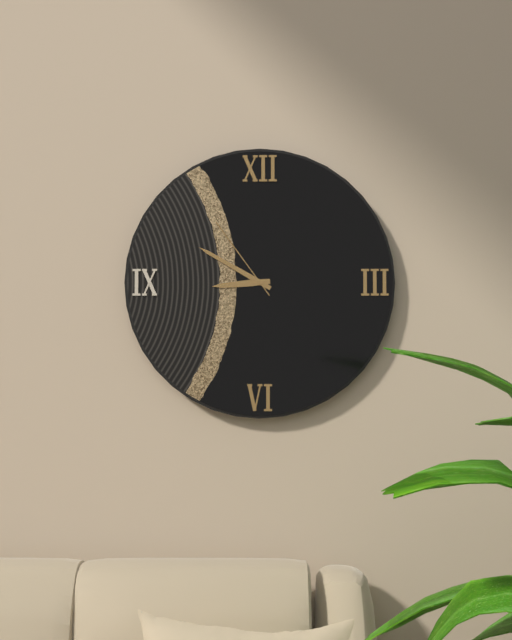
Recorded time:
{"hour": 8, "minute": 50, "second": 54}
